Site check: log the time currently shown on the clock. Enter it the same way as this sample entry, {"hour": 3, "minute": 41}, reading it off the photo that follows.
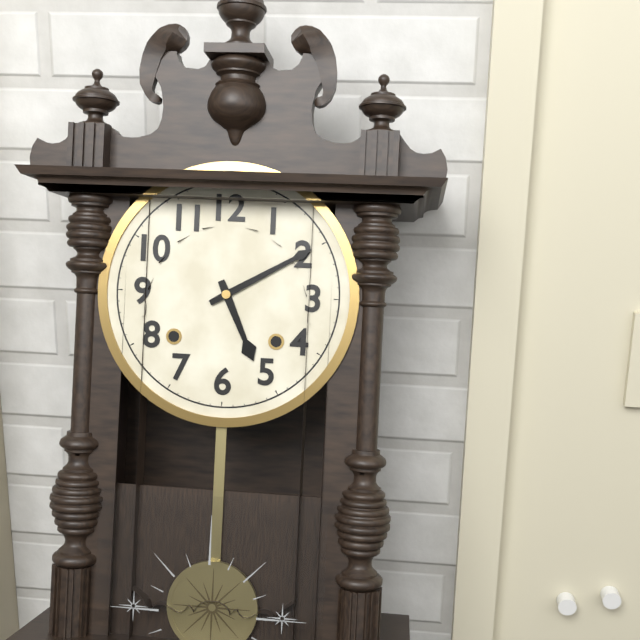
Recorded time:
{"hour": 5, "minute": 10}
